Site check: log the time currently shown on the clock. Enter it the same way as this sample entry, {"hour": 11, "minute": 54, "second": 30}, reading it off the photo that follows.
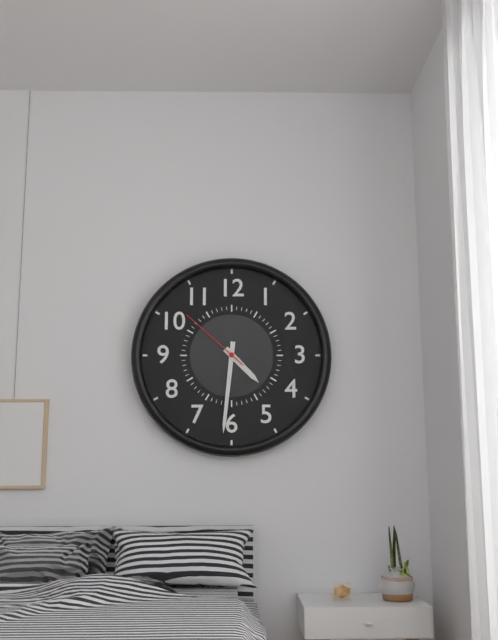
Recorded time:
{"hour": 4, "minute": 31, "second": 52}
